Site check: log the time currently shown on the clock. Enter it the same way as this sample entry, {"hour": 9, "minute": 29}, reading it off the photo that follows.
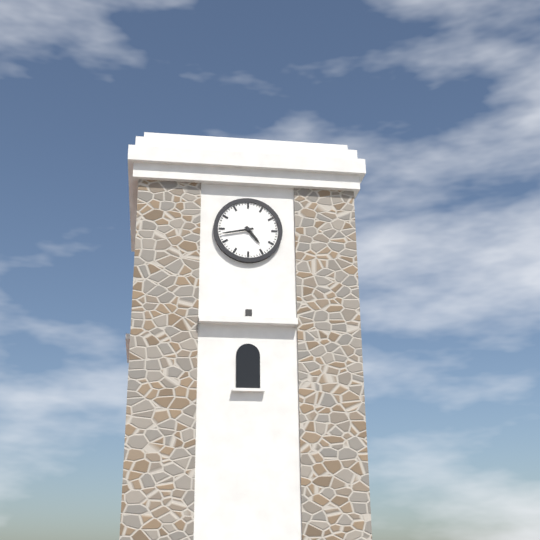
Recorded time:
{"hour": 4, "minute": 43}
